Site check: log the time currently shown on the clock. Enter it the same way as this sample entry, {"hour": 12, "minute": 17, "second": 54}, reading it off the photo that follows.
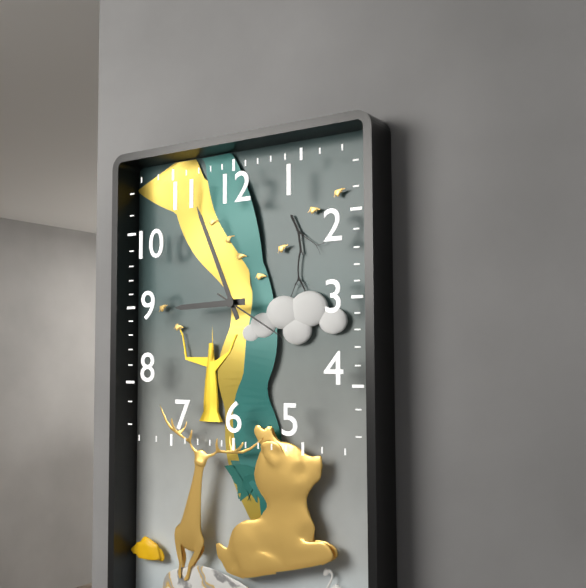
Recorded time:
{"hour": 8, "minute": 56, "second": 20}
